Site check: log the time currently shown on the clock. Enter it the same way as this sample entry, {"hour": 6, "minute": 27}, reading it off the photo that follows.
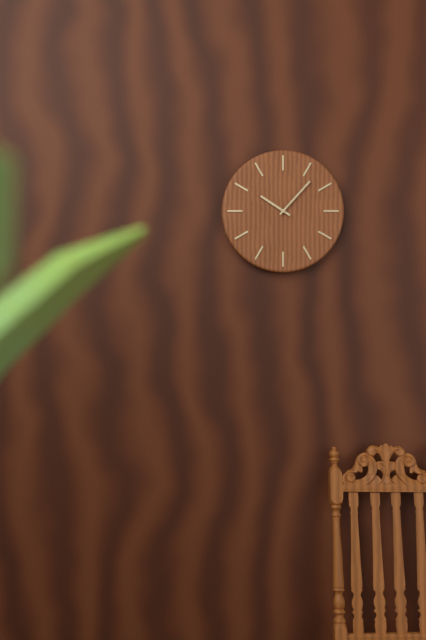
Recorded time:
{"hour": 10, "minute": 7}
